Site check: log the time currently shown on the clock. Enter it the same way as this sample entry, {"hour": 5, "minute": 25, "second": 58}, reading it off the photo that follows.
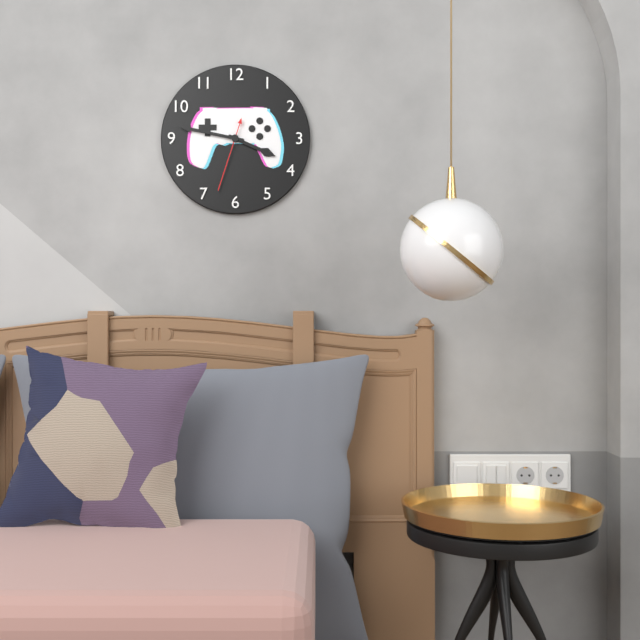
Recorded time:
{"hour": 3, "minute": 47, "second": 33}
